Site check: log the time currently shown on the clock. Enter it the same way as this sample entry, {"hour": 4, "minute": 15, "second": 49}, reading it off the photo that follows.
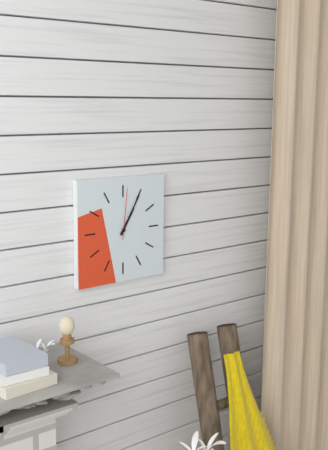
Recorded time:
{"hour": 1, "minute": 5, "second": 1}
